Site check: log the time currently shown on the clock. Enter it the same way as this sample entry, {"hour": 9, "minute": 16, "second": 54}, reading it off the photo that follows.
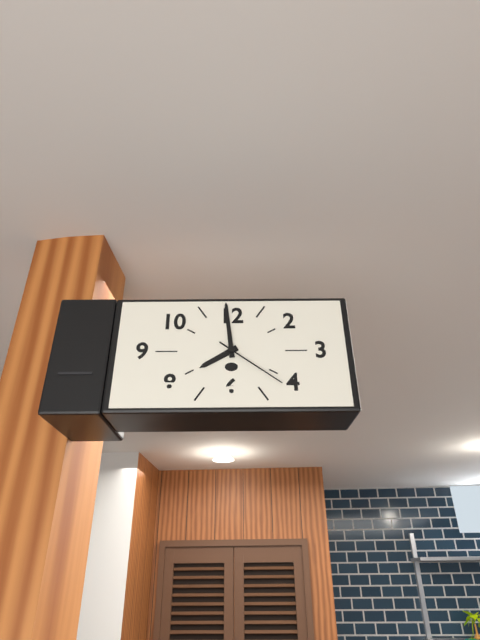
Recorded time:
{"hour": 7, "minute": 59, "second": 21}
